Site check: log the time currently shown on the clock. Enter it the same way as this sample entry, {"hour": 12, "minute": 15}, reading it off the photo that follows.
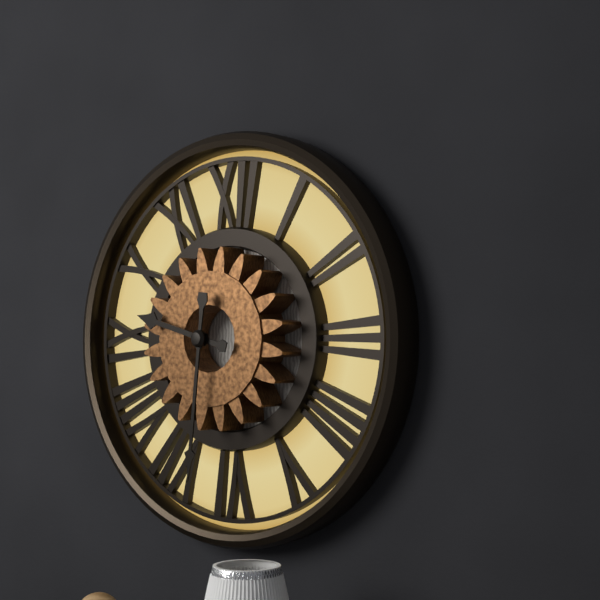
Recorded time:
{"hour": 9, "minute": 31}
